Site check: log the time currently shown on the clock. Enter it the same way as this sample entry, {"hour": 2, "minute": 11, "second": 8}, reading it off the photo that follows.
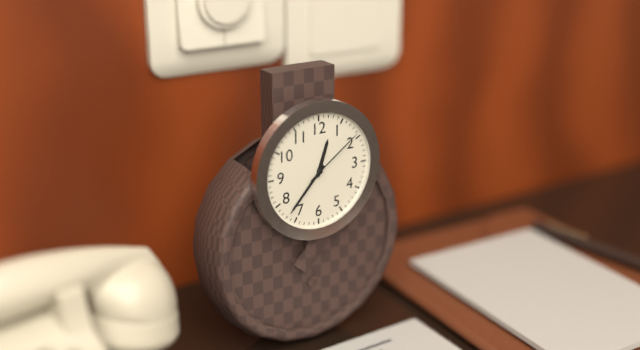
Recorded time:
{"hour": 12, "minute": 37, "second": 9}
